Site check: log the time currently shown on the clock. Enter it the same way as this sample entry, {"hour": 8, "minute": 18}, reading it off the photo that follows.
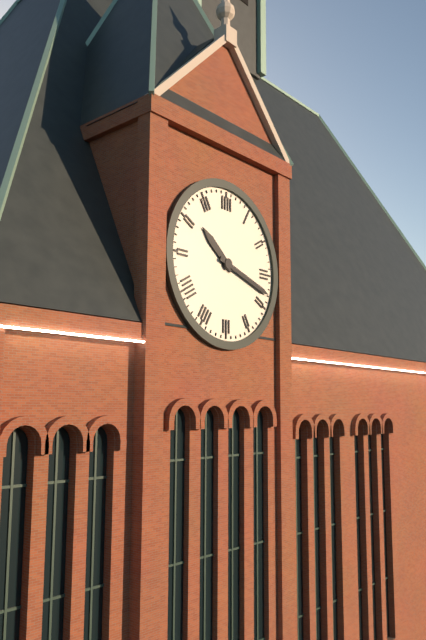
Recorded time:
{"hour": 10, "minute": 18}
